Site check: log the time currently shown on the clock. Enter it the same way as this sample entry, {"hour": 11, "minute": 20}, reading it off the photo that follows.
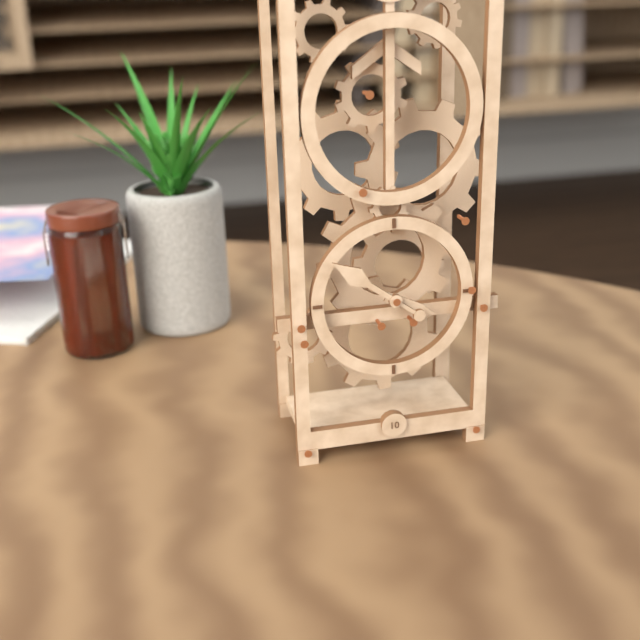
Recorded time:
{"hour": 3, "minute": 51}
